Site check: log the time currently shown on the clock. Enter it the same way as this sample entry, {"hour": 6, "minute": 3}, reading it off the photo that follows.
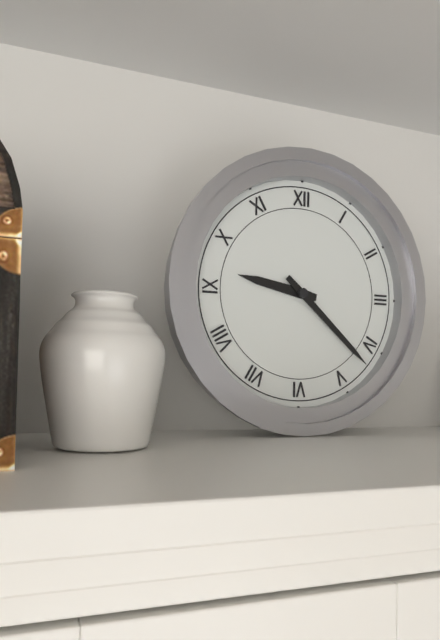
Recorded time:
{"hour": 9, "minute": 22}
